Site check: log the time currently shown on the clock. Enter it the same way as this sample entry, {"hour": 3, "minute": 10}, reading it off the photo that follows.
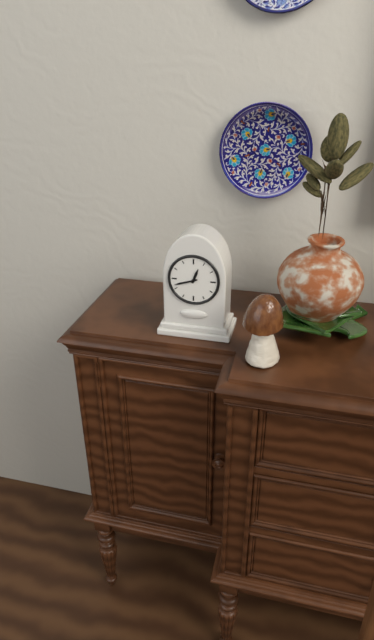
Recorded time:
{"hour": 12, "minute": 42}
